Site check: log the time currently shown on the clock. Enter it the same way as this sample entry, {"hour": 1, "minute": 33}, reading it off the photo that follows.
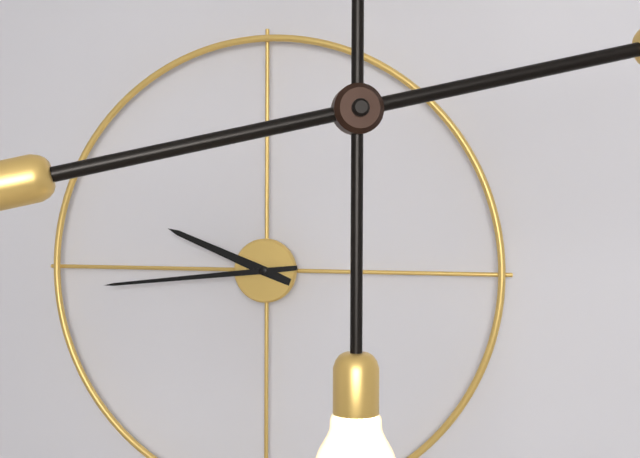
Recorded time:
{"hour": 9, "minute": 44}
